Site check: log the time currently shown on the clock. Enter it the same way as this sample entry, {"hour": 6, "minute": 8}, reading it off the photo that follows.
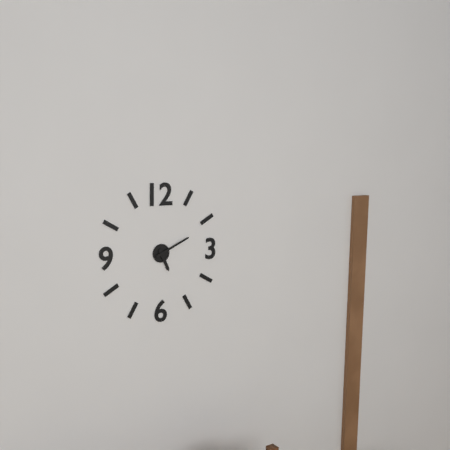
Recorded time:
{"hour": 5, "minute": 11}
